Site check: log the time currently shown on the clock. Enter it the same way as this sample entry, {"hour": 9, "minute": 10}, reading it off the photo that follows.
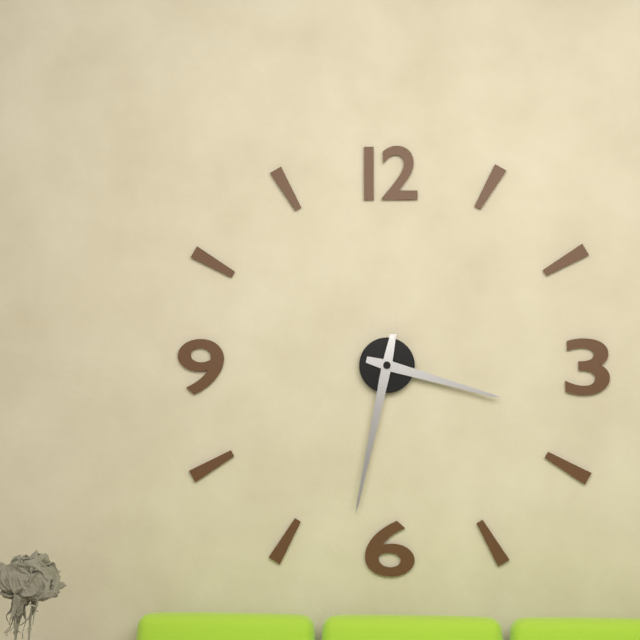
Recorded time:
{"hour": 3, "minute": 32}
